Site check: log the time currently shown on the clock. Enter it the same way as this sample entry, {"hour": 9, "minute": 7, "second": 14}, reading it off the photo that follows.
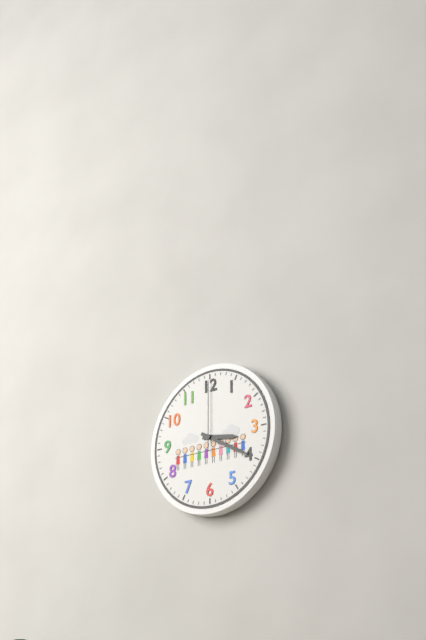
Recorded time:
{"hour": 3, "minute": 20, "second": 0}
